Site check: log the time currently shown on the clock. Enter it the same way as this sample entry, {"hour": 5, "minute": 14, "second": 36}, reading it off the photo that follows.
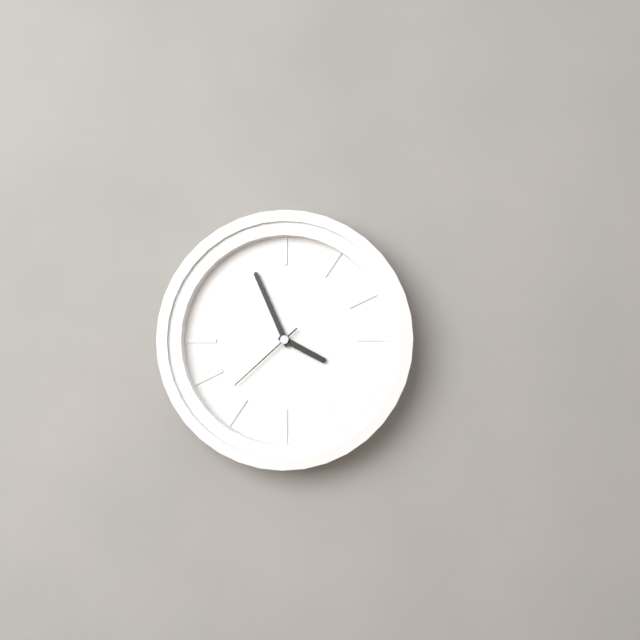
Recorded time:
{"hour": 3, "minute": 56, "second": 38}
